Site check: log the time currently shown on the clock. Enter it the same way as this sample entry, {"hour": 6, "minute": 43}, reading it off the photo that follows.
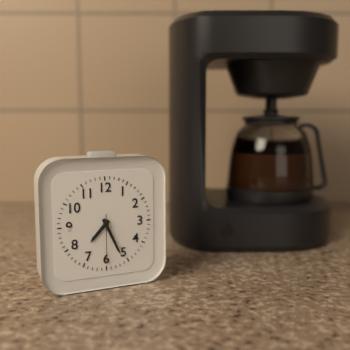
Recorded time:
{"hour": 7, "minute": 26}
